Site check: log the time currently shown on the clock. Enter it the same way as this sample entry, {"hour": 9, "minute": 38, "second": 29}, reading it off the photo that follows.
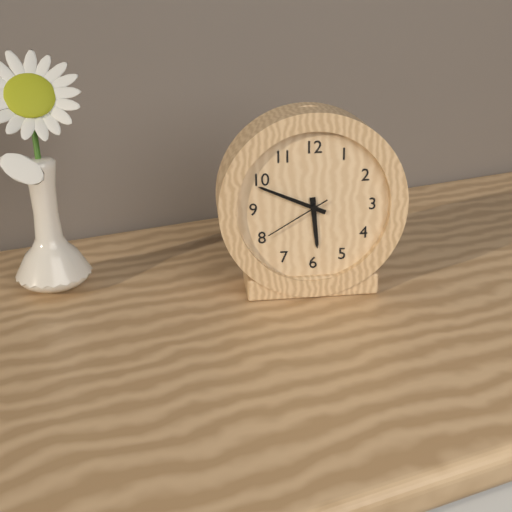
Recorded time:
{"hour": 5, "minute": 49, "second": 40}
